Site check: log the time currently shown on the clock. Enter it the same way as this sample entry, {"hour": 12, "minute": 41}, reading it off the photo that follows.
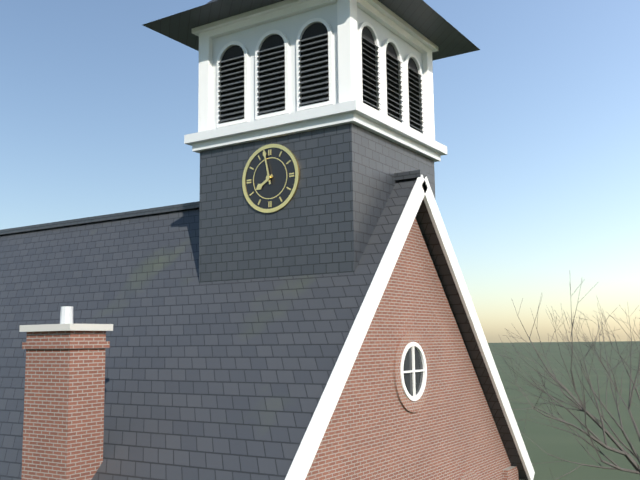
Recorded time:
{"hour": 7, "minute": 58}
